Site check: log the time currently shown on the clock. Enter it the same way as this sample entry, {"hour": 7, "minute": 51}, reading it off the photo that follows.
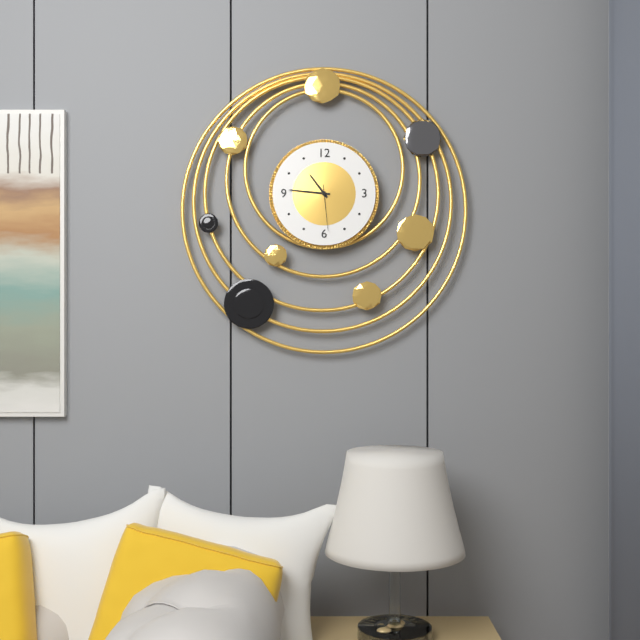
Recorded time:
{"hour": 10, "minute": 46}
